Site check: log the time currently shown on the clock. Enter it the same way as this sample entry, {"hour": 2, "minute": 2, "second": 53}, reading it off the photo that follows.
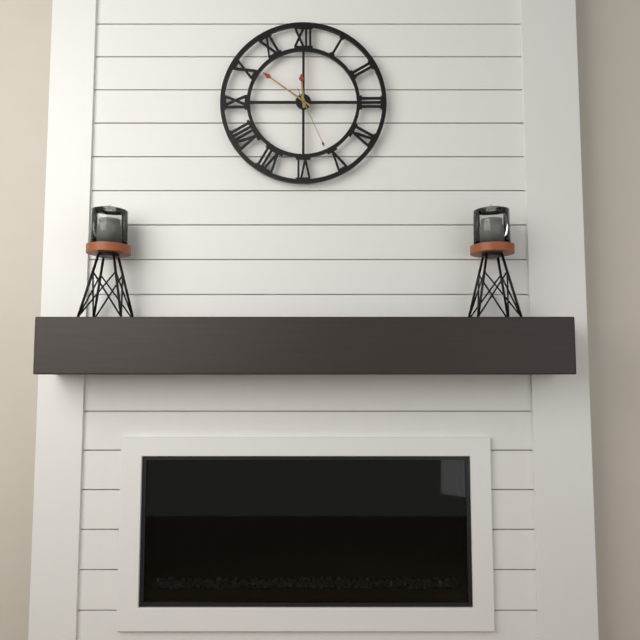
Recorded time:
{"hour": 11, "minute": 51, "second": 26}
